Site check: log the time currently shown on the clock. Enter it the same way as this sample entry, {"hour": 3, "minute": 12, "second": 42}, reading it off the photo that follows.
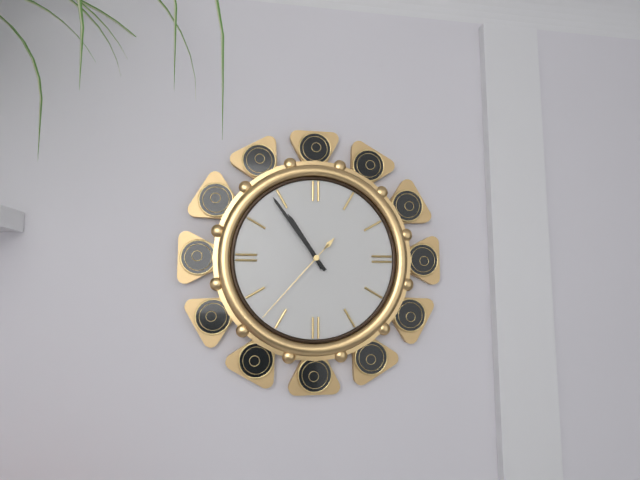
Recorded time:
{"hour": 10, "minute": 54, "second": 37}
